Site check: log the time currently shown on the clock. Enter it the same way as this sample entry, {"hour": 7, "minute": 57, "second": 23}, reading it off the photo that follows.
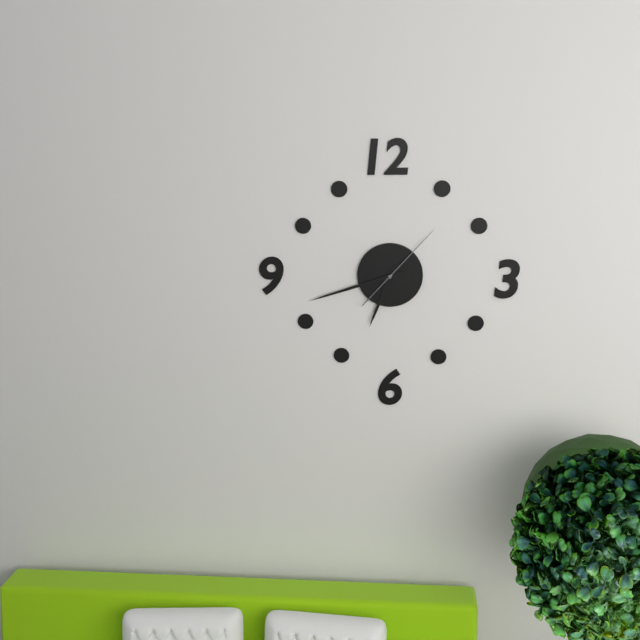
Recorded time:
{"hour": 6, "minute": 42, "second": 7}
